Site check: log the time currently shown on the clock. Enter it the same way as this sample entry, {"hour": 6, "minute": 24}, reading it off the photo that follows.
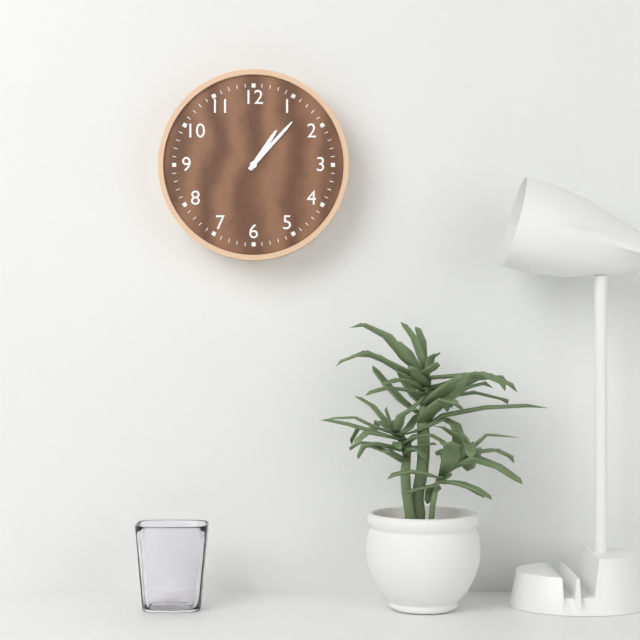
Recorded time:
{"hour": 1, "minute": 7}
